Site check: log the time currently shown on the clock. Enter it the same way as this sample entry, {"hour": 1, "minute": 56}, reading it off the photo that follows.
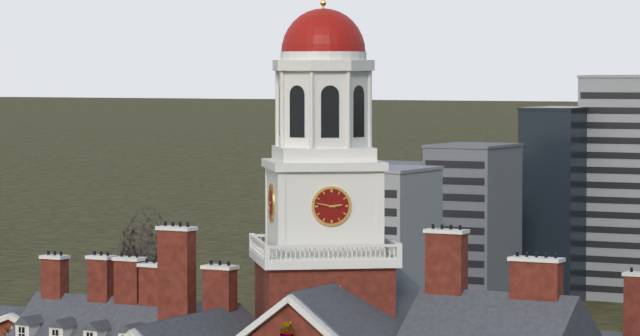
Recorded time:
{"hour": 2, "minute": 47}
